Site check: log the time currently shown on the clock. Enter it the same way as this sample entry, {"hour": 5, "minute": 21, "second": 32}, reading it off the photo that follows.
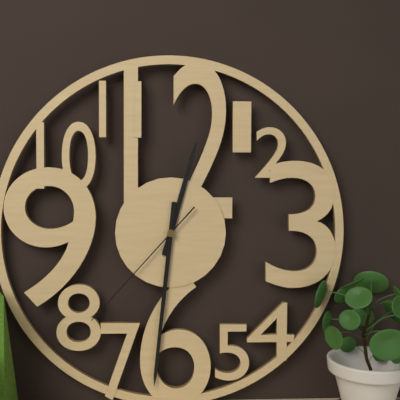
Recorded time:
{"hour": 12, "minute": 31, "second": 37}
